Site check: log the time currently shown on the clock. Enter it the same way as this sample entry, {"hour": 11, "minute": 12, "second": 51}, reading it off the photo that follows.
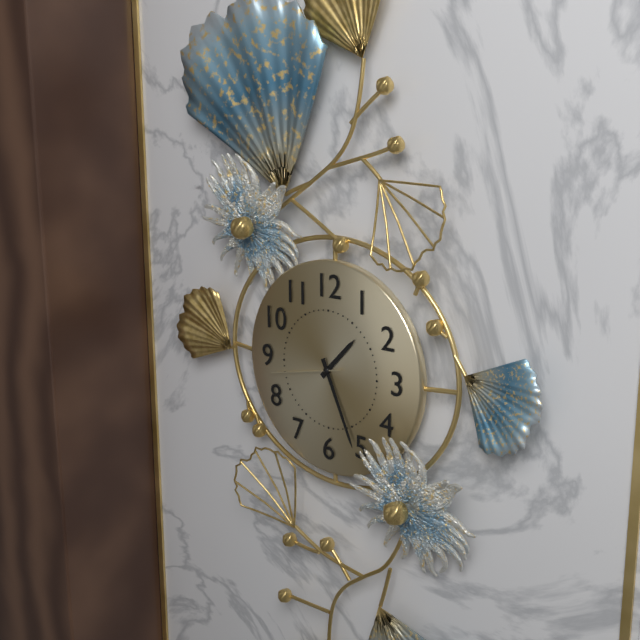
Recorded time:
{"hour": 1, "minute": 26, "second": 43}
